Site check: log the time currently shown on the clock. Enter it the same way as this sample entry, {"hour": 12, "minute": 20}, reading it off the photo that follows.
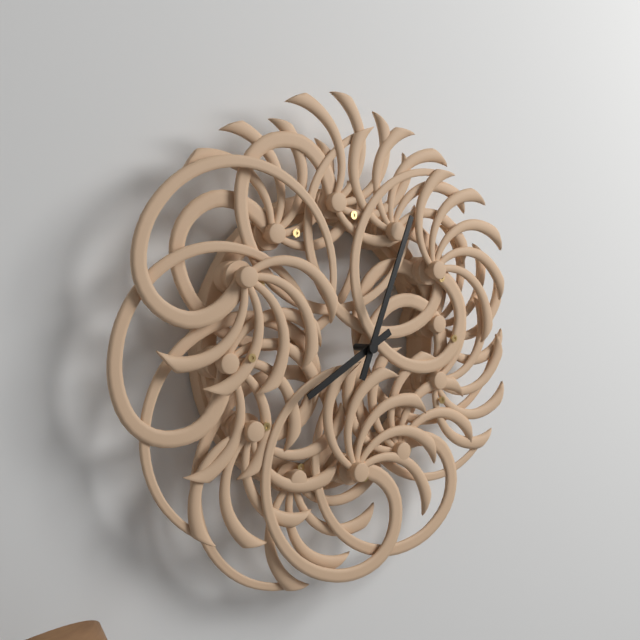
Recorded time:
{"hour": 8, "minute": 4}
